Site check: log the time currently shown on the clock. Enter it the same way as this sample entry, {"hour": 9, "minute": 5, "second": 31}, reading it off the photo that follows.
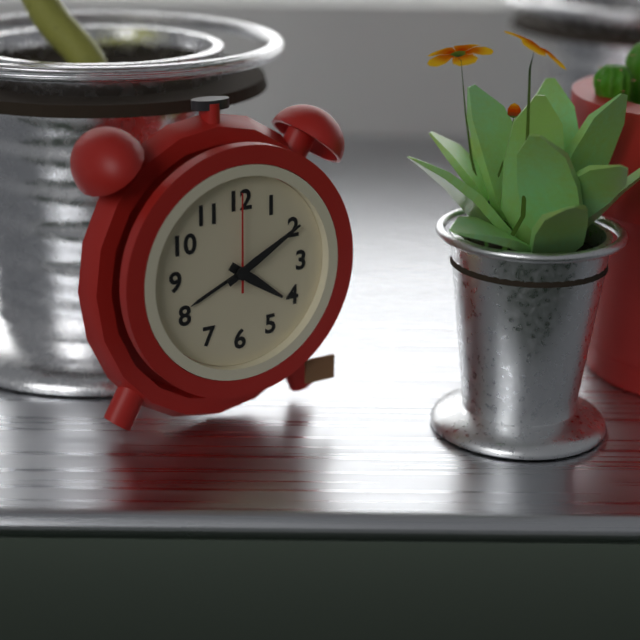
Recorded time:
{"hour": 4, "minute": 10, "second": 0}
